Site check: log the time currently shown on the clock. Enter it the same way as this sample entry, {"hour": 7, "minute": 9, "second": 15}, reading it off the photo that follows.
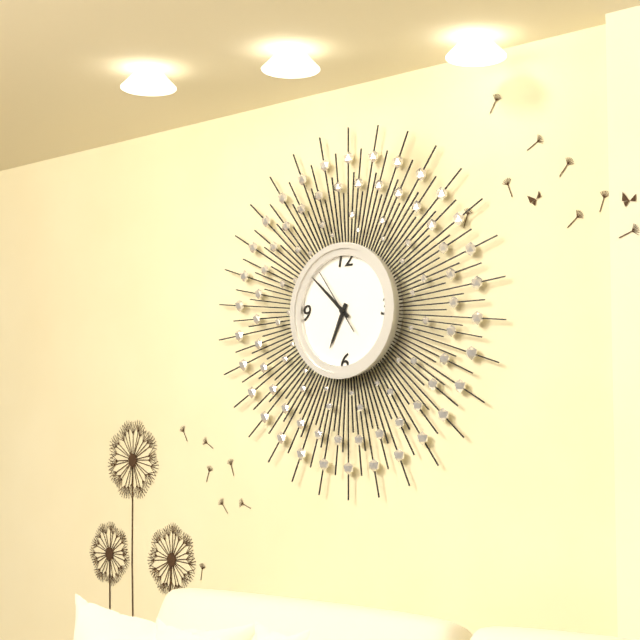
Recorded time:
{"hour": 6, "minute": 52, "second": 54}
